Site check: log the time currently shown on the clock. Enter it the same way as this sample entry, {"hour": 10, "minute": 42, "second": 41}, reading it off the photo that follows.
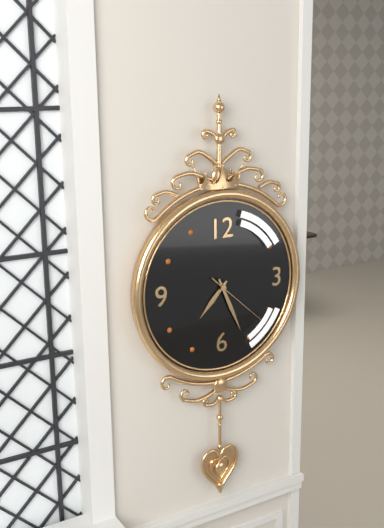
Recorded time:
{"hour": 7, "minute": 26, "second": 22}
